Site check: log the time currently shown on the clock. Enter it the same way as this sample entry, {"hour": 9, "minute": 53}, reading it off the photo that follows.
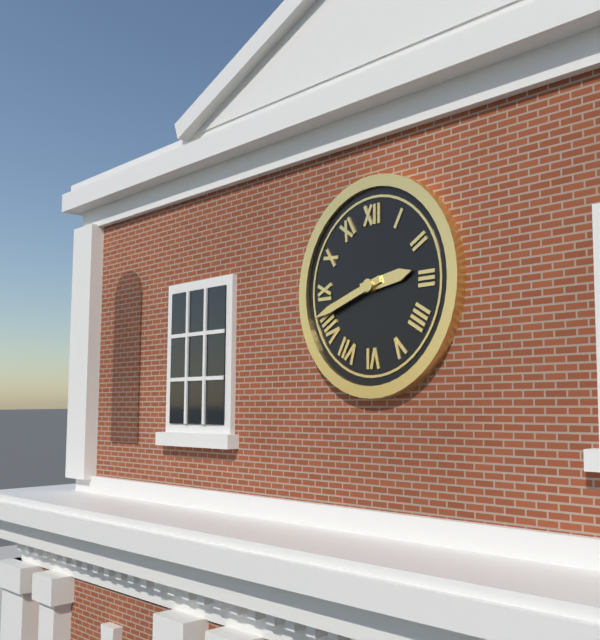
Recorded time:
{"hour": 2, "minute": 42}
